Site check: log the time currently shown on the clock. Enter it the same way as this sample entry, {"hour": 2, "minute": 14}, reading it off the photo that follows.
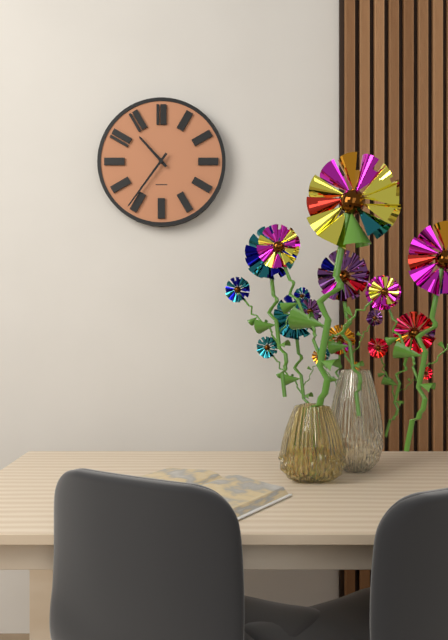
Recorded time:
{"hour": 10, "minute": 36}
